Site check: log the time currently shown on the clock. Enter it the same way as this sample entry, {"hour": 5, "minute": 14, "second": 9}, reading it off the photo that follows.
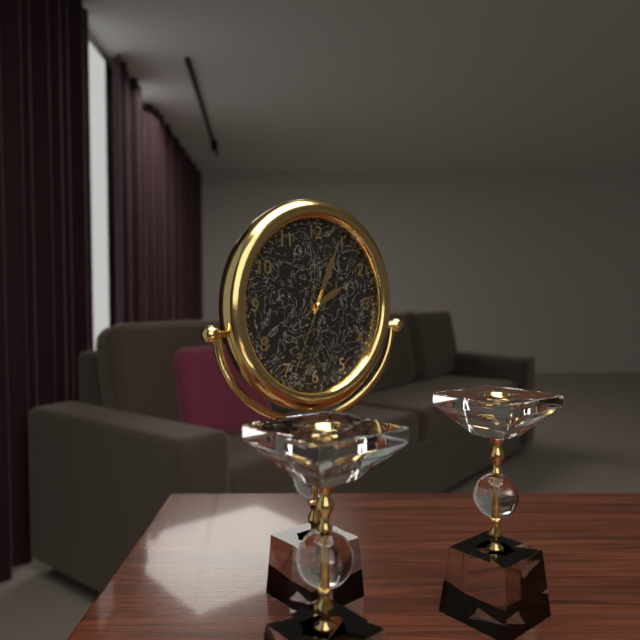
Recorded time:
{"hour": 2, "minute": 4, "second": 34}
